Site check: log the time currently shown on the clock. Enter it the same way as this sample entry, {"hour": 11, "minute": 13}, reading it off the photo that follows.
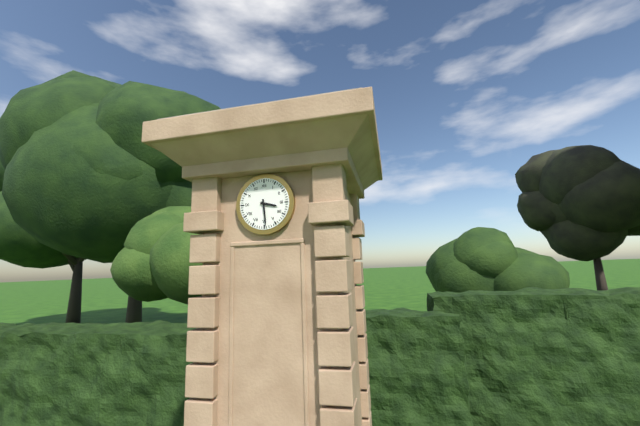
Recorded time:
{"hour": 3, "minute": 29}
